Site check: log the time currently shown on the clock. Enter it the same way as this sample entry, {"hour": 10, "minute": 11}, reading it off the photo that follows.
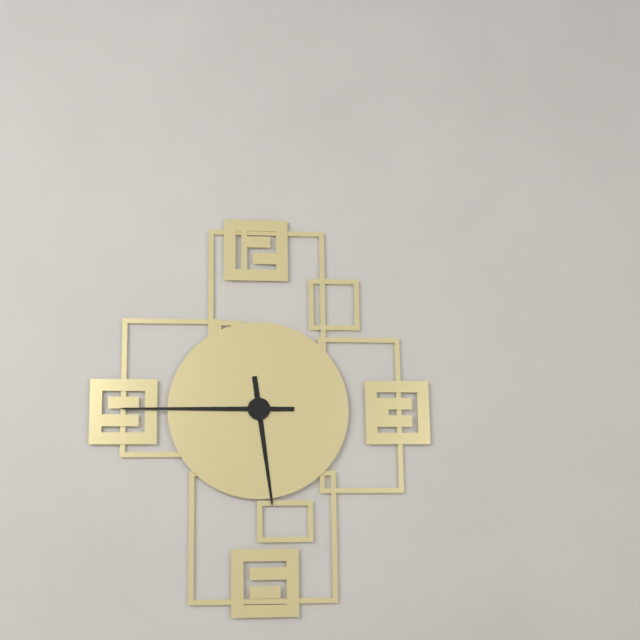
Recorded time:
{"hour": 5, "minute": 45}
